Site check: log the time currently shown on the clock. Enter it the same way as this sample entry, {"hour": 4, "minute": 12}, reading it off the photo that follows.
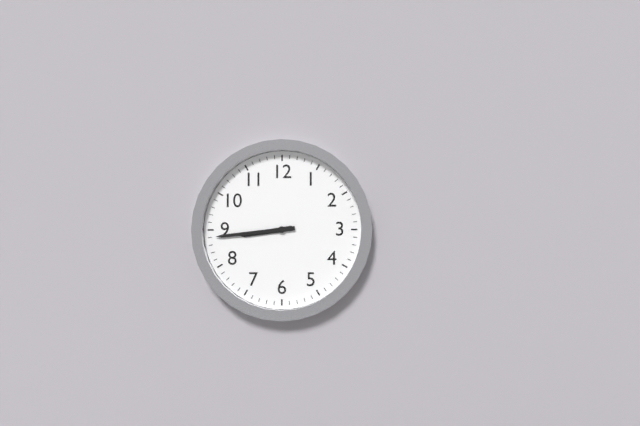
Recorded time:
{"hour": 8, "minute": 44}
